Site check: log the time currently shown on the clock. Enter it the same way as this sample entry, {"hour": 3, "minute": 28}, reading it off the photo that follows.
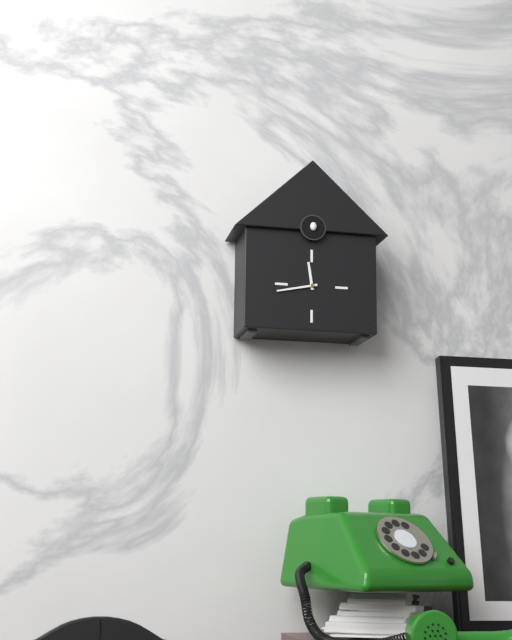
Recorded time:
{"hour": 11, "minute": 43}
